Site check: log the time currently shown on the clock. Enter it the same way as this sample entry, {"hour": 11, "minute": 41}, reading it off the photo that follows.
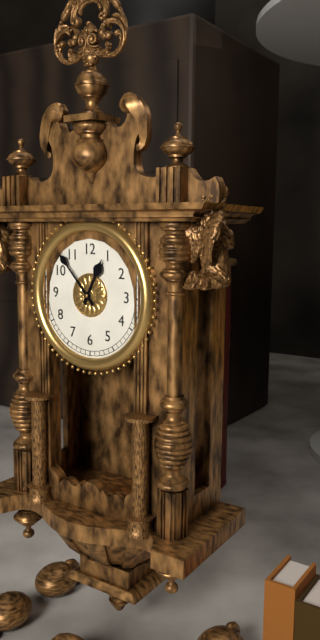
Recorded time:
{"hour": 12, "minute": 53}
